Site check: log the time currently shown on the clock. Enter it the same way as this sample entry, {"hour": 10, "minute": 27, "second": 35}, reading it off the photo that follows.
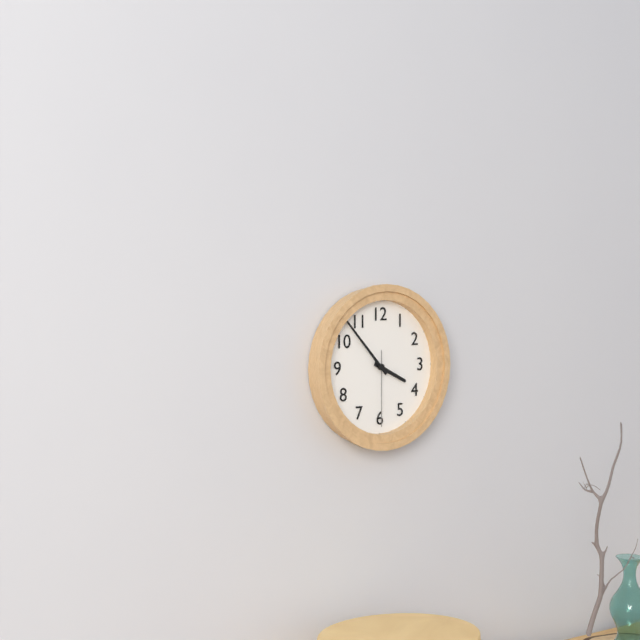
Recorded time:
{"hour": 3, "minute": 53, "second": 30}
